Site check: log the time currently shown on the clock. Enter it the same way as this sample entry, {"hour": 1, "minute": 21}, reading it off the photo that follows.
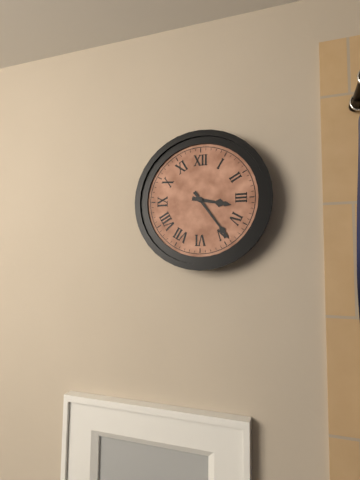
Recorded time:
{"hour": 3, "minute": 24}
